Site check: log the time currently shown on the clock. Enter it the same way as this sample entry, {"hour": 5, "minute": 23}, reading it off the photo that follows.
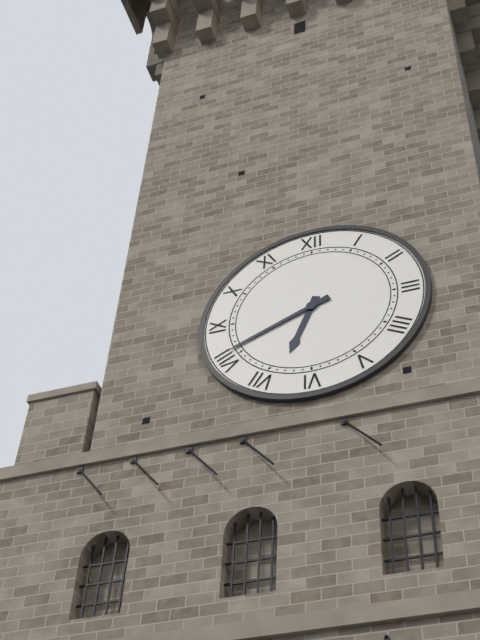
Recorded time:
{"hour": 6, "minute": 41}
